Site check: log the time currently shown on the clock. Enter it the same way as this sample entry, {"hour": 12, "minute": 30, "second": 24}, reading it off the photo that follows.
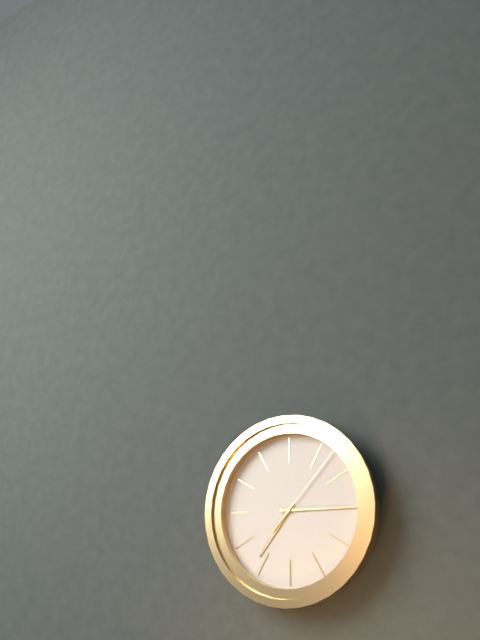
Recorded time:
{"hour": 7, "minute": 15, "second": 7}
